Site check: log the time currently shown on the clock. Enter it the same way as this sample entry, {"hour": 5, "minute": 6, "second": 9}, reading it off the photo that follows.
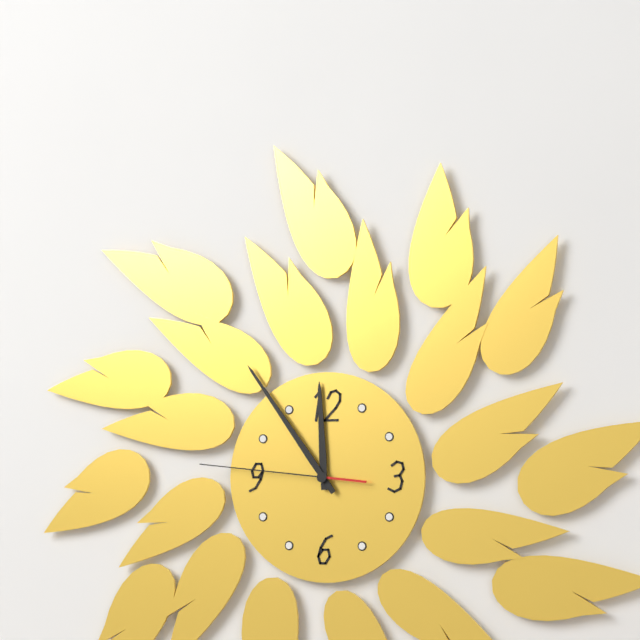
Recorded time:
{"hour": 11, "minute": 54, "second": 46}
